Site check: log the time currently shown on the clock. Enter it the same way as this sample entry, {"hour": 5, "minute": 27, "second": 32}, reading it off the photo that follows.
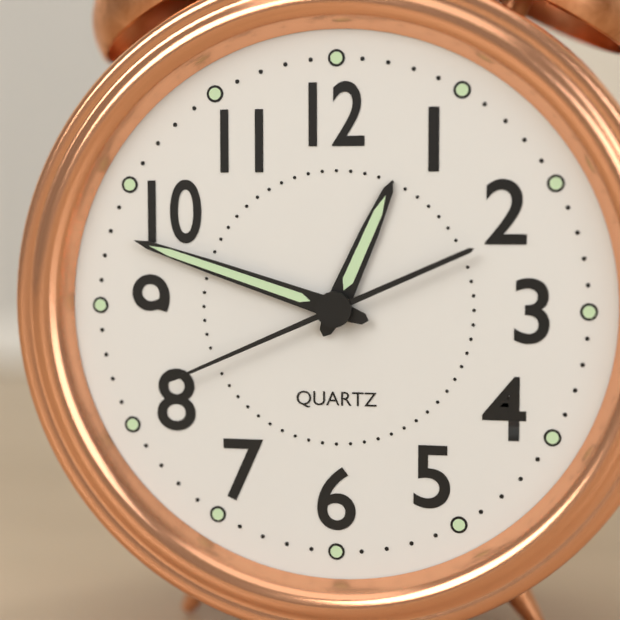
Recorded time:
{"hour": 12, "minute": 48, "second": 41}
